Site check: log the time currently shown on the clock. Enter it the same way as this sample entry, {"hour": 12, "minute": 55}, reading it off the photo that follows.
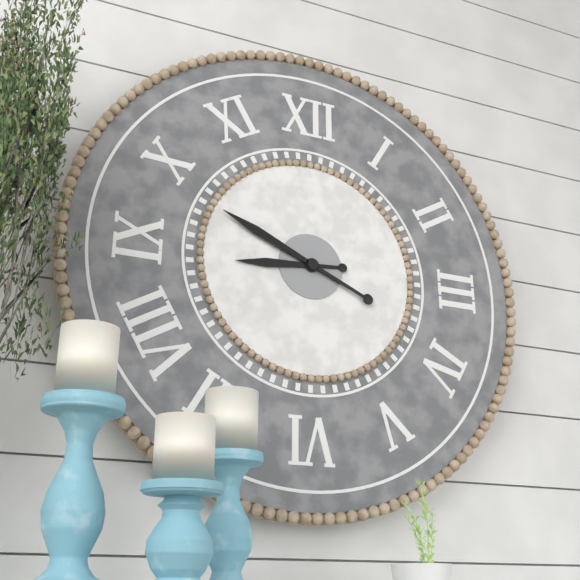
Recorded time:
{"hour": 8, "minute": 49}
